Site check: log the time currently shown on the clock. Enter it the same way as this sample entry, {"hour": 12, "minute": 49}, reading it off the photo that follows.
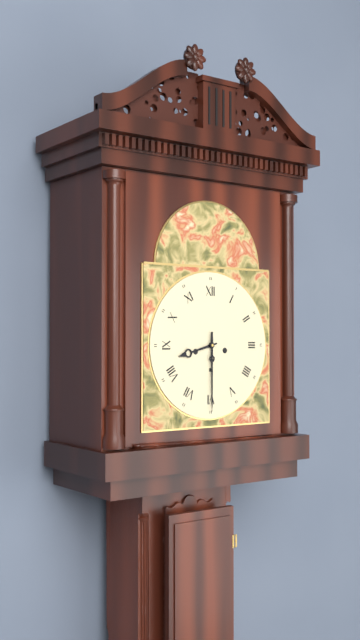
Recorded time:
{"hour": 8, "minute": 30}
